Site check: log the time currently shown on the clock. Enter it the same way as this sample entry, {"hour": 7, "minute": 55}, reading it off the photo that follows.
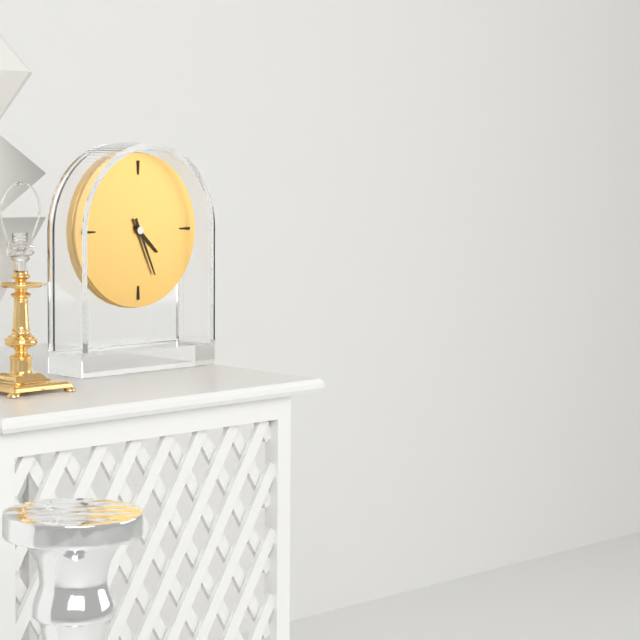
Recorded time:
{"hour": 4, "minute": 26}
